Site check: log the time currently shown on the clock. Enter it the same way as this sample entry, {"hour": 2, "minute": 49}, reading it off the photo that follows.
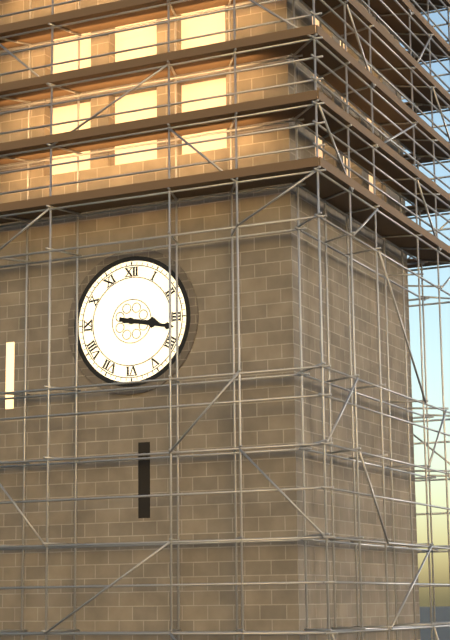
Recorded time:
{"hour": 3, "minute": 17}
